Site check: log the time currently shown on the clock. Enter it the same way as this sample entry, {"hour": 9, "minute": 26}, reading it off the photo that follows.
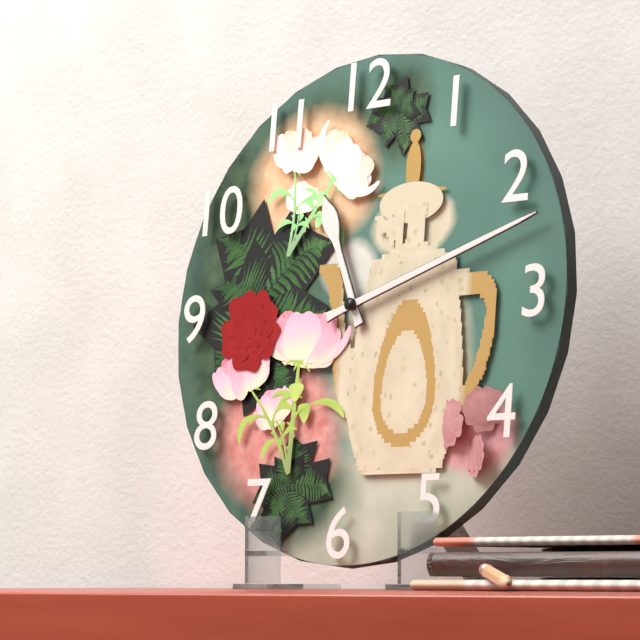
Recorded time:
{"hour": 11, "minute": 12}
